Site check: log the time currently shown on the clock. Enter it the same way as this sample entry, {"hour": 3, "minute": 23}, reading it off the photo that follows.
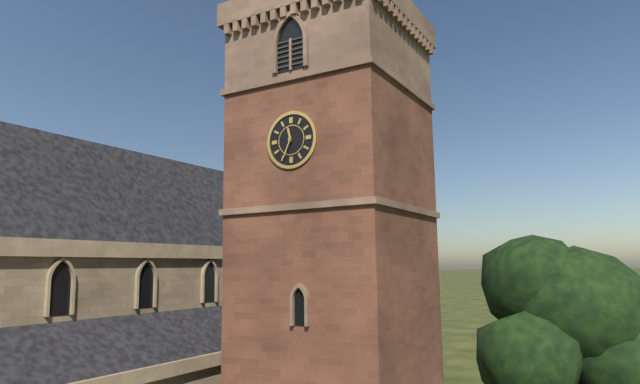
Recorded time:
{"hour": 11, "minute": 34}
